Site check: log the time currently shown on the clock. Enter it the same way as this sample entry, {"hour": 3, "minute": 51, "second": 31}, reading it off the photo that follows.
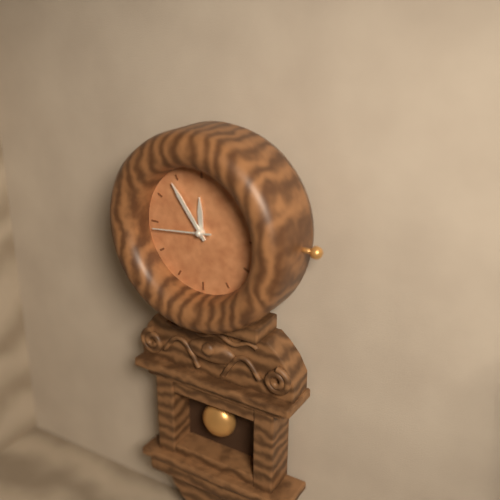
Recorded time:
{"hour": 11, "minute": 54, "second": 44}
